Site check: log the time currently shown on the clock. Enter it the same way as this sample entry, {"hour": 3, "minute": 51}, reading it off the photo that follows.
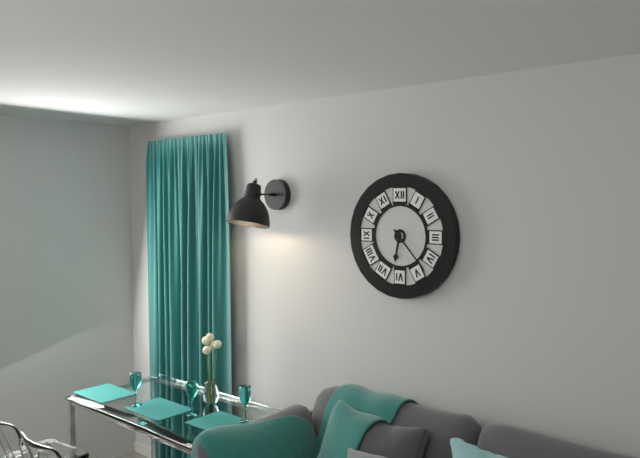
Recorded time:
{"hour": 6, "minute": 23}
